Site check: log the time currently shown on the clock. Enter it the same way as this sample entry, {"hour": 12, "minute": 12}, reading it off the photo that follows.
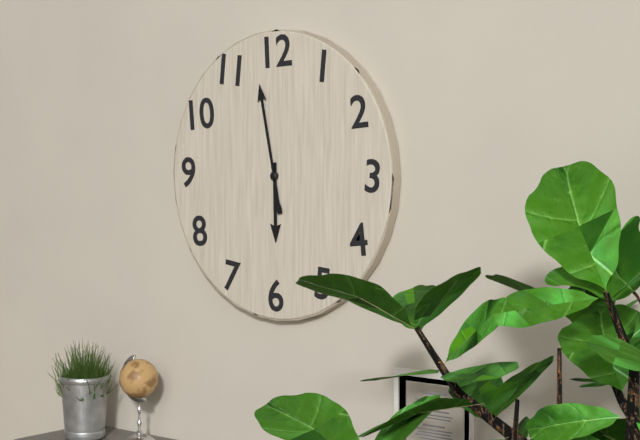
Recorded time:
{"hour": 5, "minute": 58}
